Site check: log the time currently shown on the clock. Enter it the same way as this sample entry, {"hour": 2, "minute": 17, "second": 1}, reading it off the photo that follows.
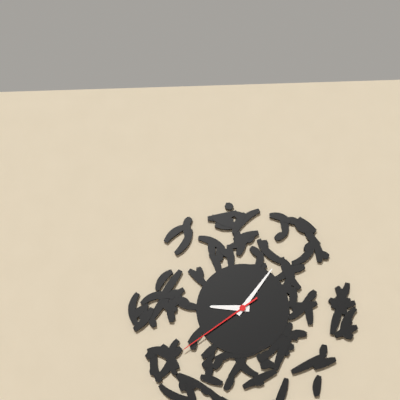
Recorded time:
{"hour": 9, "minute": 6, "second": 39}
